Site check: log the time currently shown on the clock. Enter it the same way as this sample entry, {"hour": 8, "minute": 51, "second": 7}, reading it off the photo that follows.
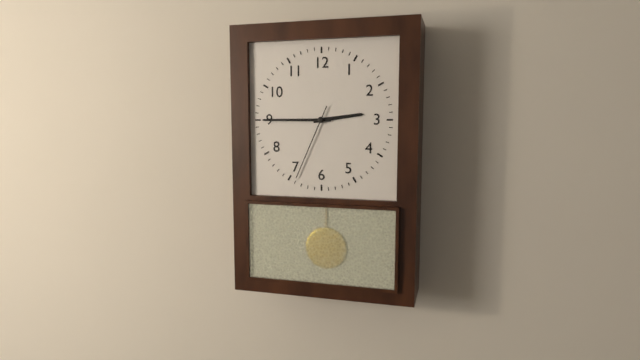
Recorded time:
{"hour": 2, "minute": 45, "second": 34}
